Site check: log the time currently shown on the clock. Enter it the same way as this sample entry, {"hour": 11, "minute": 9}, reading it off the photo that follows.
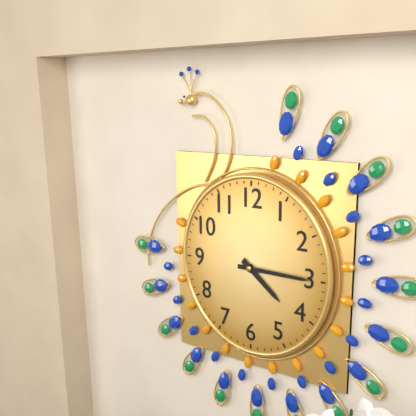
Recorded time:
{"hour": 4, "minute": 15}
